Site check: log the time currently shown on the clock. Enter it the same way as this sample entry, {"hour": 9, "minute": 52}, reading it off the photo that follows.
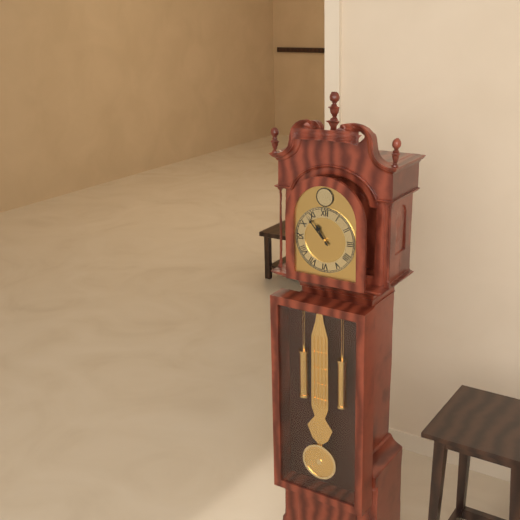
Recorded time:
{"hour": 10, "minute": 53}
